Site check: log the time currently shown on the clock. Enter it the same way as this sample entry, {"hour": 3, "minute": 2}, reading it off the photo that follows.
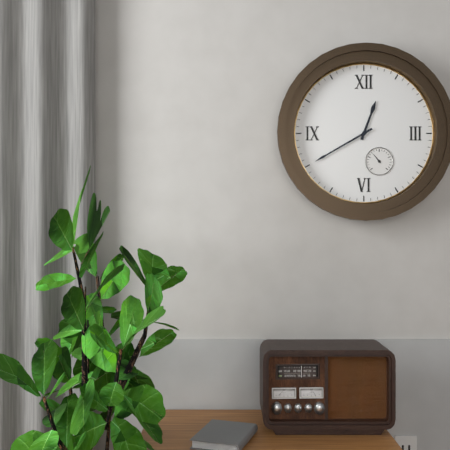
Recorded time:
{"hour": 12, "minute": 40}
